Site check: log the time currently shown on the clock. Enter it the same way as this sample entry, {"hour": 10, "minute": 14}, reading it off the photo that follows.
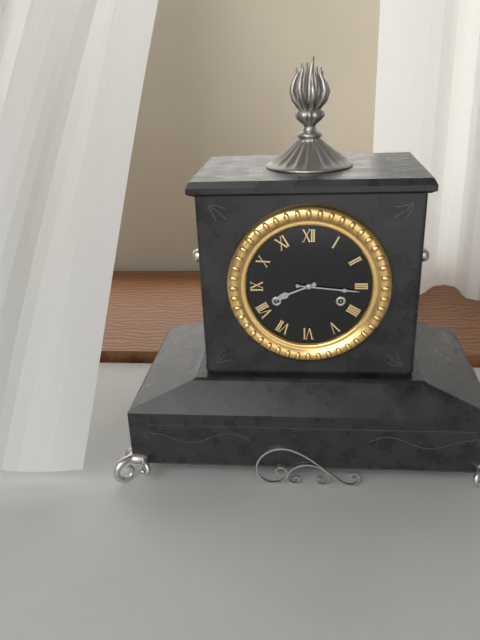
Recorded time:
{"hour": 8, "minute": 16}
